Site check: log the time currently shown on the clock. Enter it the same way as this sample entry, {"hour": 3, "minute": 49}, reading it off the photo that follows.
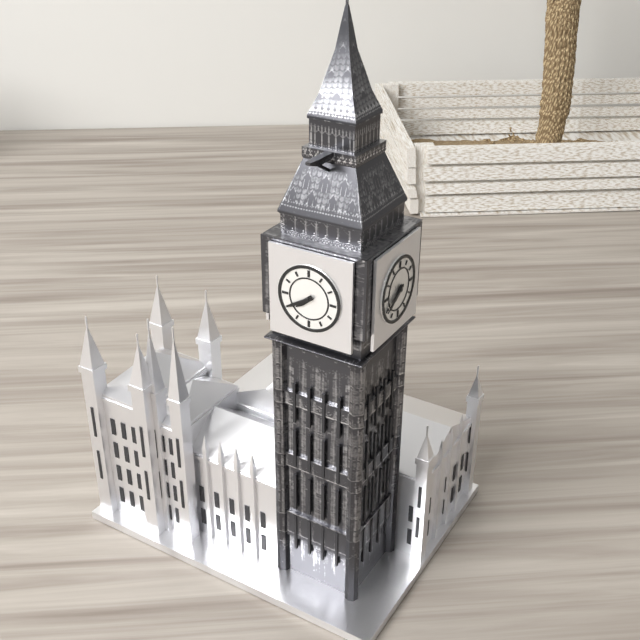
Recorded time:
{"hour": 7, "minute": 40}
